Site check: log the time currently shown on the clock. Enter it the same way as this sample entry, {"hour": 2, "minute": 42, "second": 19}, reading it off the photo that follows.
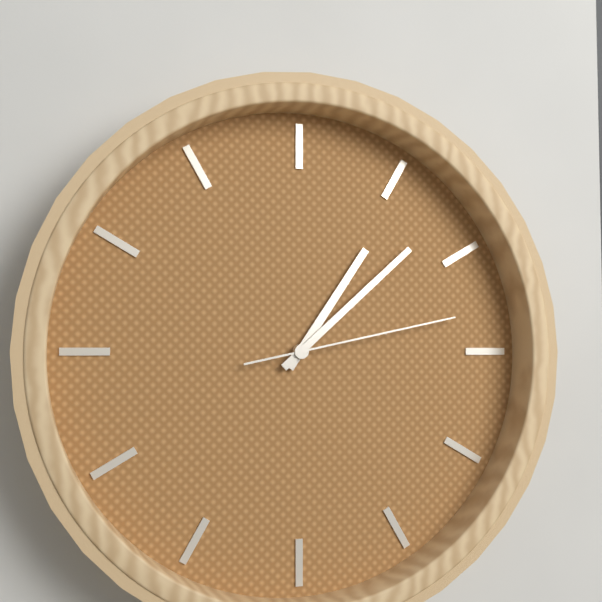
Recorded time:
{"hour": 1, "minute": 8, "second": 13}
